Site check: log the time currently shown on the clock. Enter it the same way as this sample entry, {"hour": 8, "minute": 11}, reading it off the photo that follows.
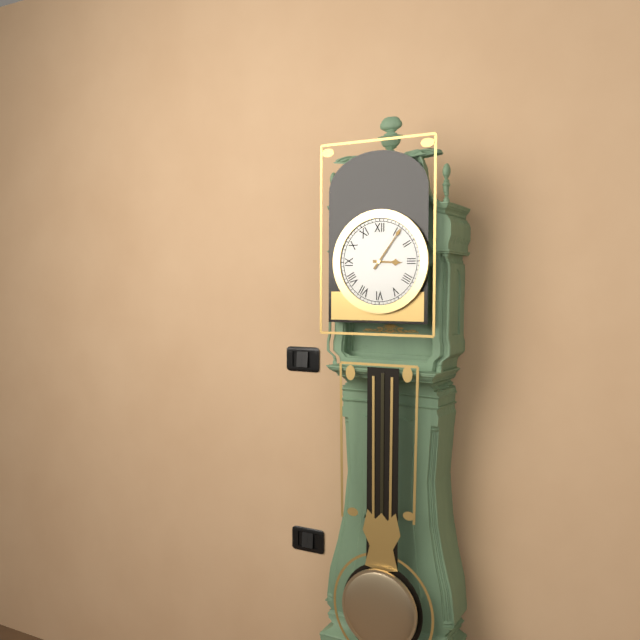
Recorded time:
{"hour": 3, "minute": 6}
